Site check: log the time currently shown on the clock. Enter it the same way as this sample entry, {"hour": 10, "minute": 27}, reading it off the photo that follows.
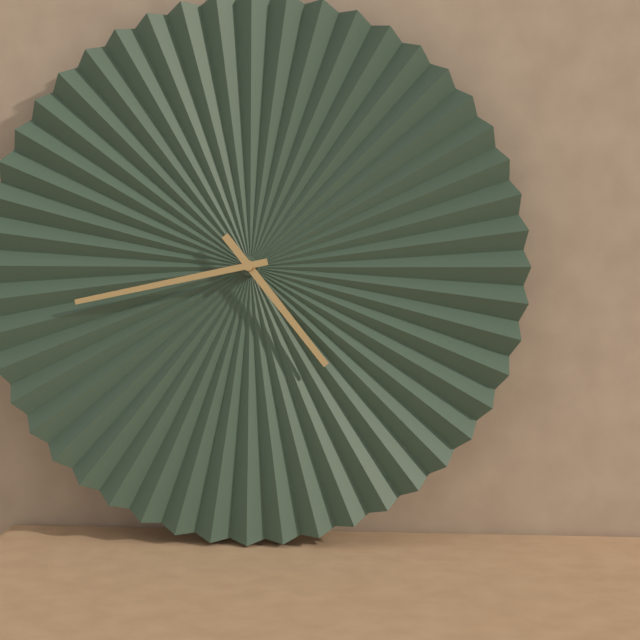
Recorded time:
{"hour": 4, "minute": 43}
